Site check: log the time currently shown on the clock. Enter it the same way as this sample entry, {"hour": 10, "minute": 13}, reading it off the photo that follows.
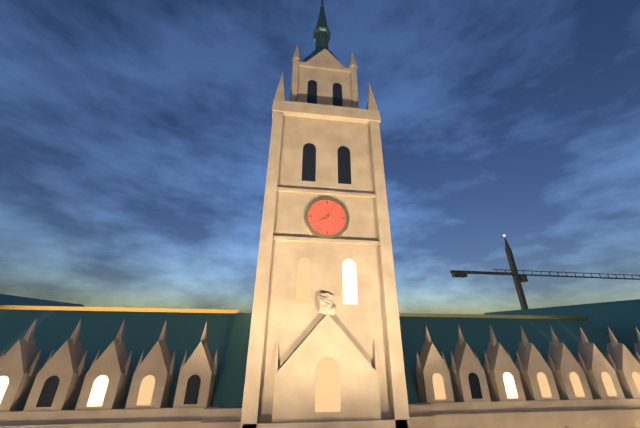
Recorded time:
{"hour": 8, "minute": 5}
